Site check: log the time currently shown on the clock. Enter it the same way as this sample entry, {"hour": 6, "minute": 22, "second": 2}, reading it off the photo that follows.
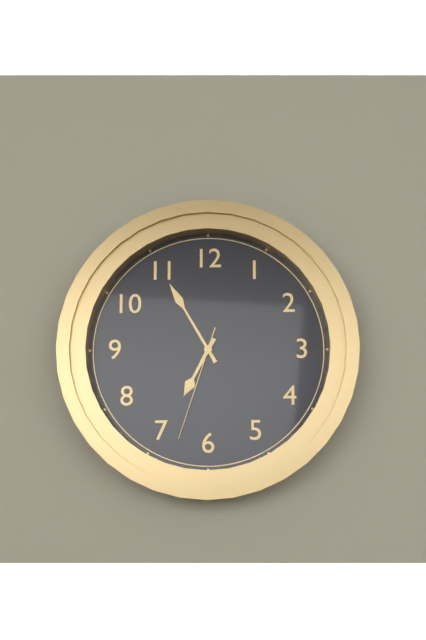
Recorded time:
{"hour": 6, "minute": 55, "second": 33}
